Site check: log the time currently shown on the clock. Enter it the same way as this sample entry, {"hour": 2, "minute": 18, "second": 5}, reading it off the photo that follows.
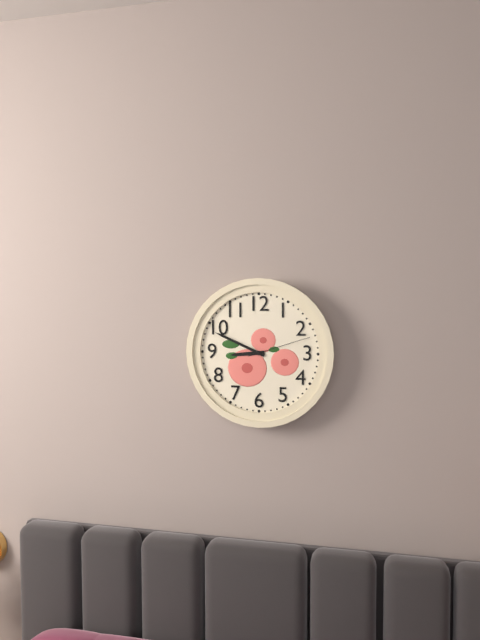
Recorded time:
{"hour": 8, "minute": 49, "second": 12}
